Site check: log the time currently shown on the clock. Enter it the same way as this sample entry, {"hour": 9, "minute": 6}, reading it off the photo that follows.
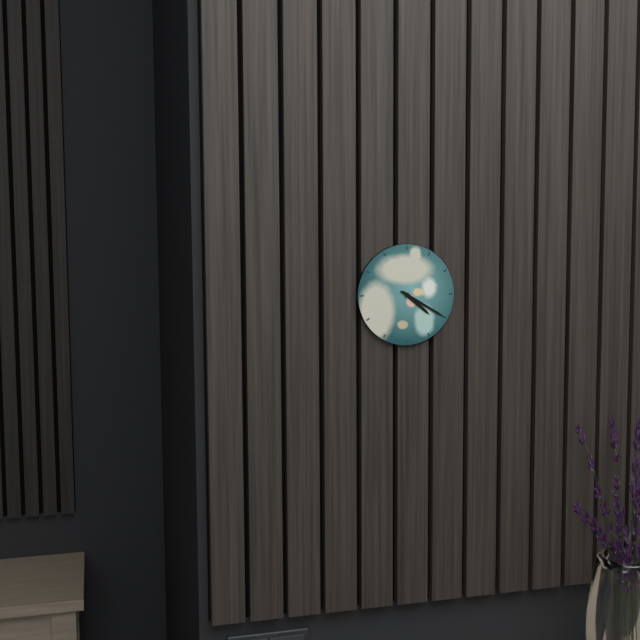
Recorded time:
{"hour": 4, "minute": 20}
